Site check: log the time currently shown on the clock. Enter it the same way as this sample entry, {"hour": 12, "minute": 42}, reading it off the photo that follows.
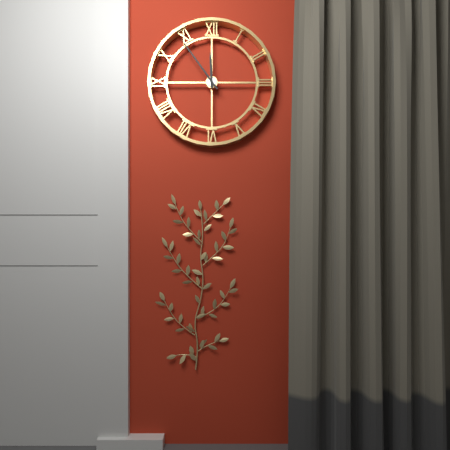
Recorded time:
{"hour": 11, "minute": 54}
